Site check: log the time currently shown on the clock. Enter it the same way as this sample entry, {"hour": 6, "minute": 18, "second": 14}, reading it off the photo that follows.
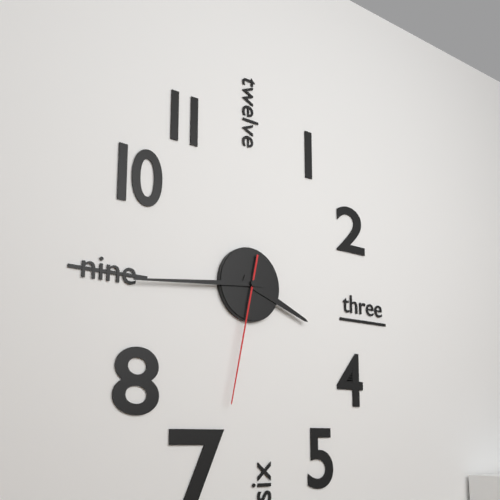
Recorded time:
{"hour": 3, "minute": 44, "second": 32}
